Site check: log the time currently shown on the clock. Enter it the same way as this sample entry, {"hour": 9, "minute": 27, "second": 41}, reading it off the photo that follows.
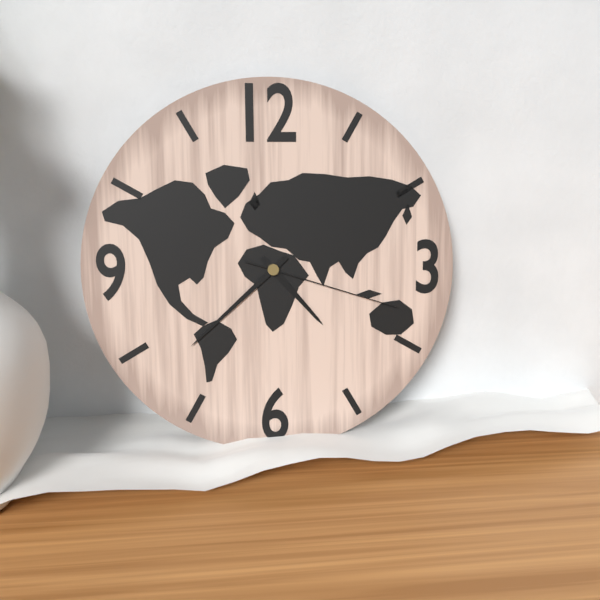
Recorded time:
{"hour": 4, "minute": 38, "second": 18}
